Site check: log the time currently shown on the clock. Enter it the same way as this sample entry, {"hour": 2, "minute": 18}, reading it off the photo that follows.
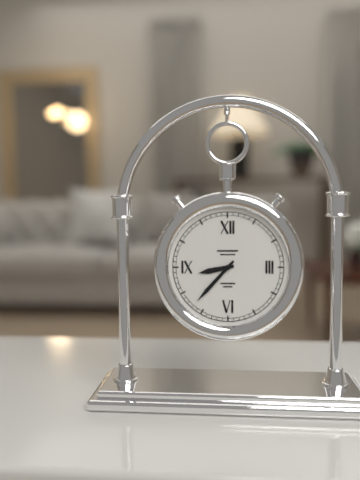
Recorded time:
{"hour": 8, "minute": 37}
